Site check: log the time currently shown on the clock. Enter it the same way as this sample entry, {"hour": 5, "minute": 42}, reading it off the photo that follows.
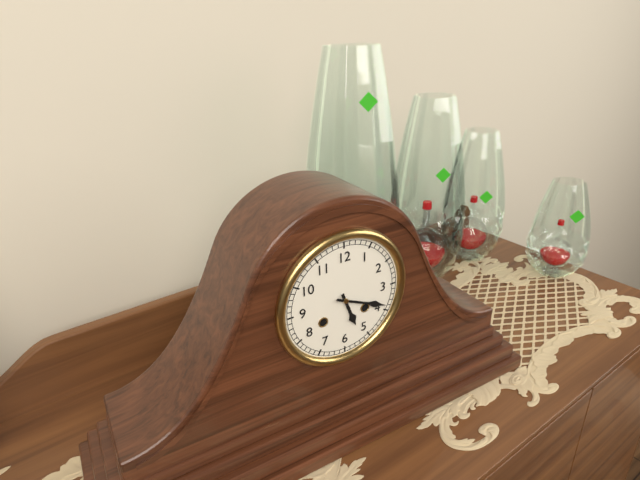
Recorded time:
{"hour": 5, "minute": 19}
